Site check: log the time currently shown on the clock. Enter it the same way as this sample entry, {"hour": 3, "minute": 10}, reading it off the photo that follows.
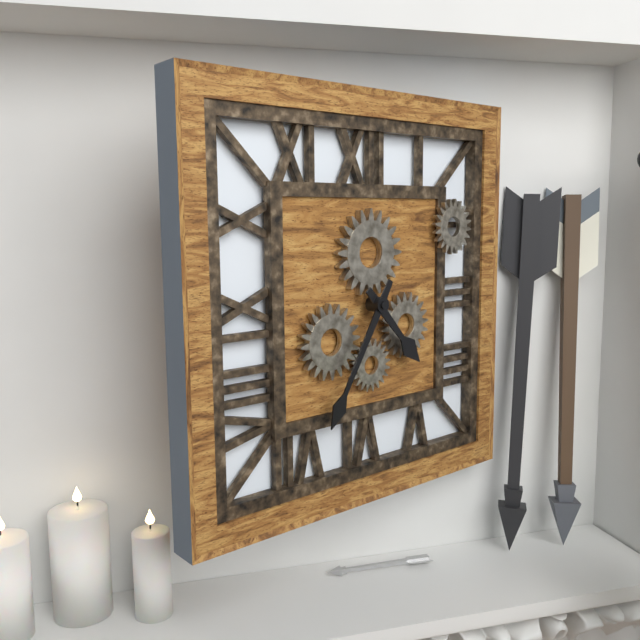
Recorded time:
{"hour": 4, "minute": 35}
